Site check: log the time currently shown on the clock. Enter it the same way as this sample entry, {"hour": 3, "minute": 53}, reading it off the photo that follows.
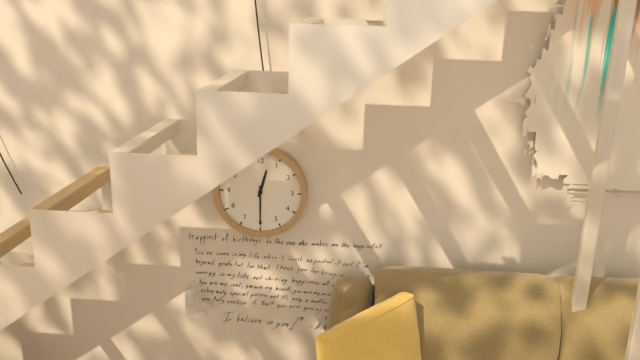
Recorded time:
{"hour": 12, "minute": 30}
